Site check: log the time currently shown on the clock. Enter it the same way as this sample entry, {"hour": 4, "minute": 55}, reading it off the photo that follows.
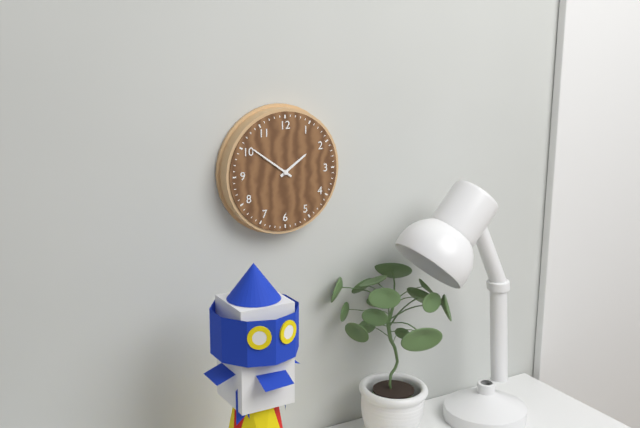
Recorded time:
{"hour": 1, "minute": 51}
